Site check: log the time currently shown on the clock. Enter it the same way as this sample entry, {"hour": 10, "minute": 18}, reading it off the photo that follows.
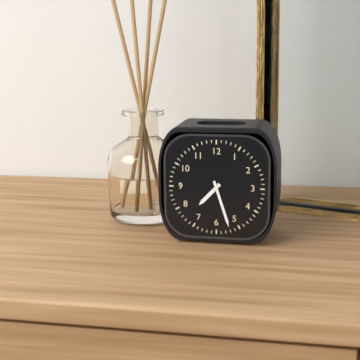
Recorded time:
{"hour": 7, "minute": 27}
